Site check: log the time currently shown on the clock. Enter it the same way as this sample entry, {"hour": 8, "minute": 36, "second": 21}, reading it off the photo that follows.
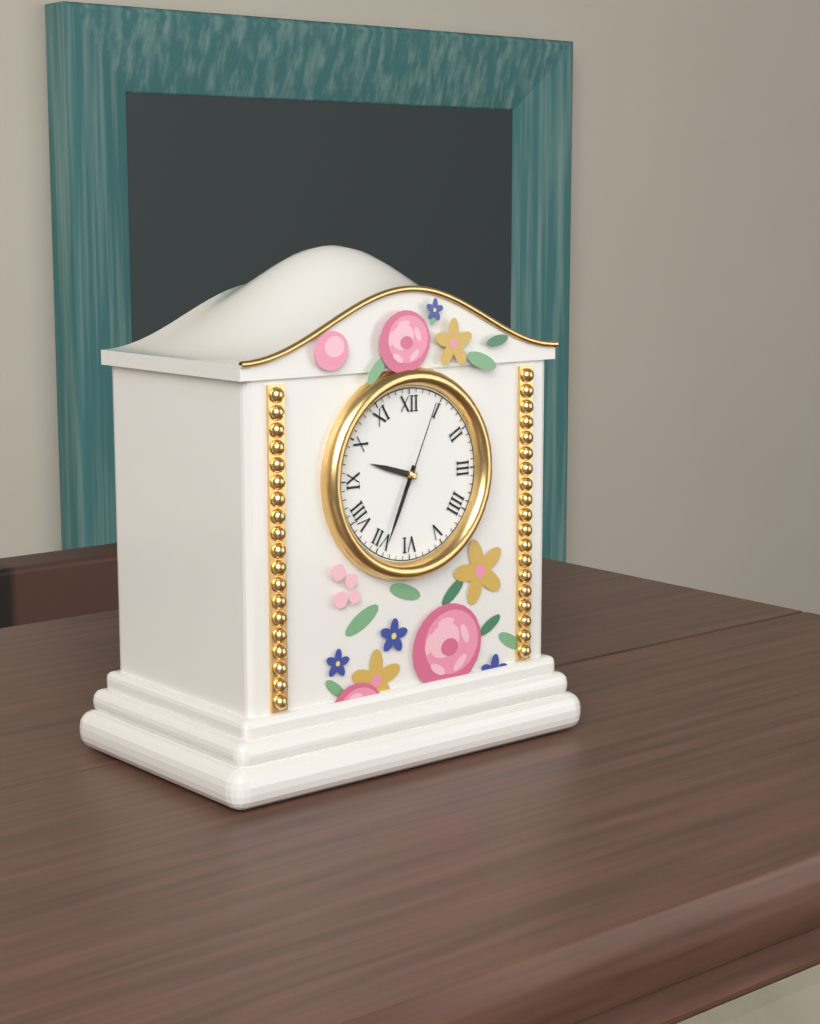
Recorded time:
{"hour": 9, "minute": 34, "second": 4}
